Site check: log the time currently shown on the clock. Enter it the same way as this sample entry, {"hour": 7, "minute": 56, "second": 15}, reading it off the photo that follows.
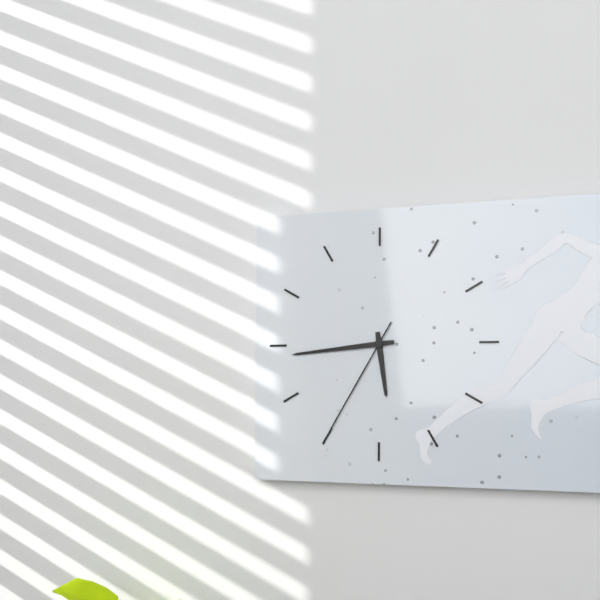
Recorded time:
{"hour": 5, "minute": 44, "second": 35}
